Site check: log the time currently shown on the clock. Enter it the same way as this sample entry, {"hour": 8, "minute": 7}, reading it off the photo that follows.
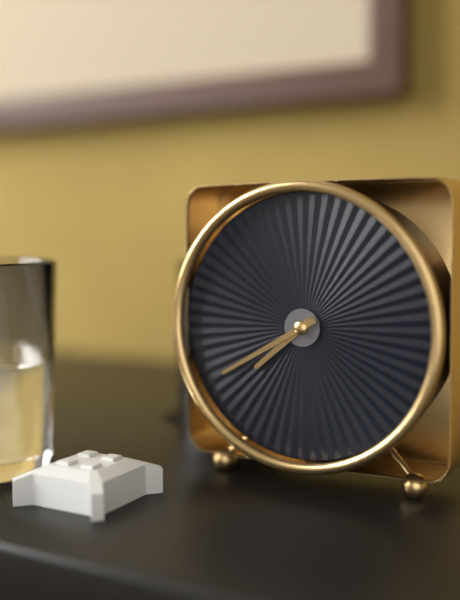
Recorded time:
{"hour": 7, "minute": 40}
